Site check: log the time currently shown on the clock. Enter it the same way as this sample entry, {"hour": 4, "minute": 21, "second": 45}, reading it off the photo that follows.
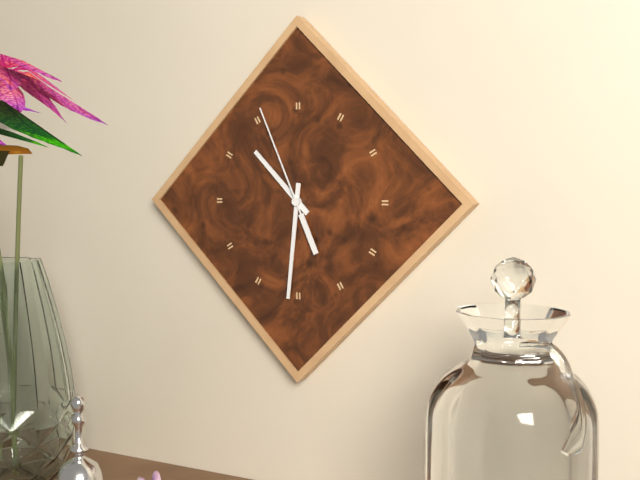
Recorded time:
{"hour": 10, "minute": 31, "second": 56}
